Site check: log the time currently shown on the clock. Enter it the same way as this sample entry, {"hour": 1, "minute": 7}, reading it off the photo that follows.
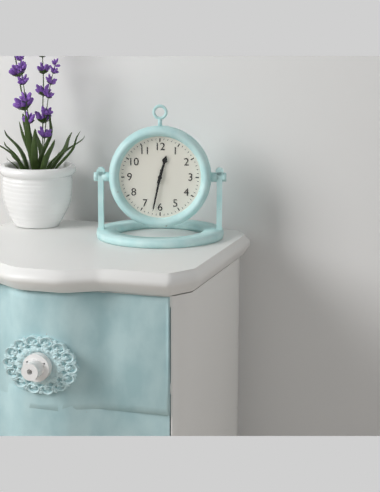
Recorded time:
{"hour": 12, "minute": 32}
